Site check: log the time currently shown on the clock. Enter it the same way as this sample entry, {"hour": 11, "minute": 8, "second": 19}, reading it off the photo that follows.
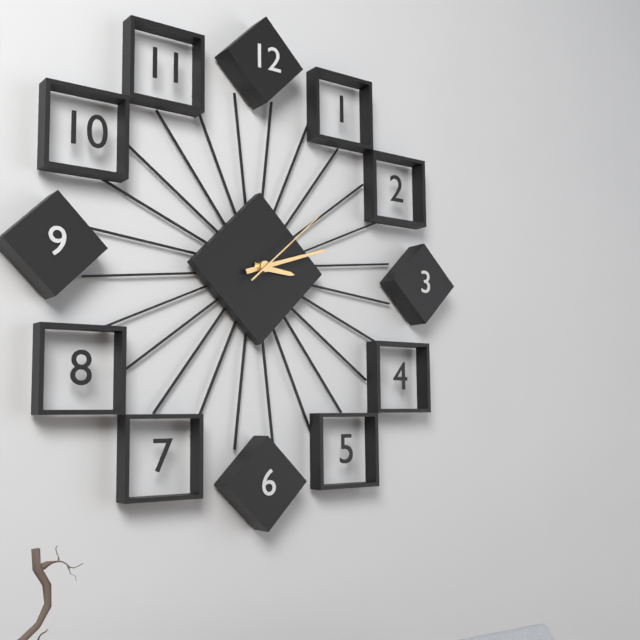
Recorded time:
{"hour": 3, "minute": 12, "second": 8}
